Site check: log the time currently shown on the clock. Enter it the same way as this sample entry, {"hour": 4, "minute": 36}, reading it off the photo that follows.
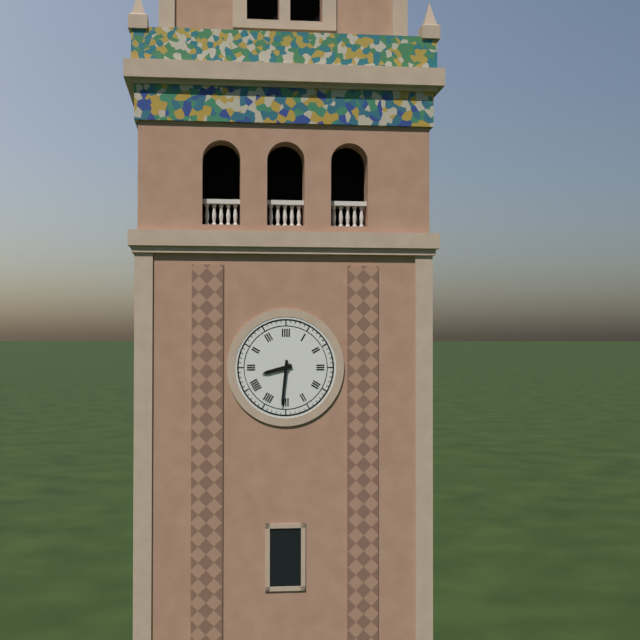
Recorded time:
{"hour": 8, "minute": 31}
